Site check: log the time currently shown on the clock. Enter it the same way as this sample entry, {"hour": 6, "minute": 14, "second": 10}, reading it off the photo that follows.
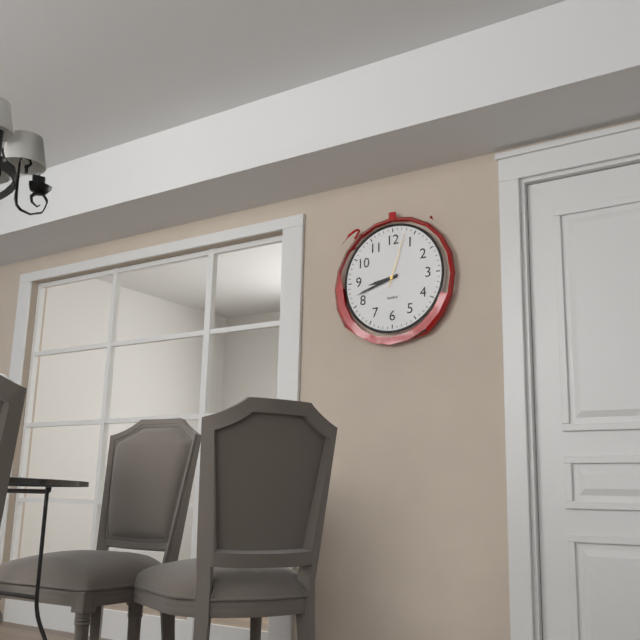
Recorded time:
{"hour": 8, "minute": 42, "second": 3}
